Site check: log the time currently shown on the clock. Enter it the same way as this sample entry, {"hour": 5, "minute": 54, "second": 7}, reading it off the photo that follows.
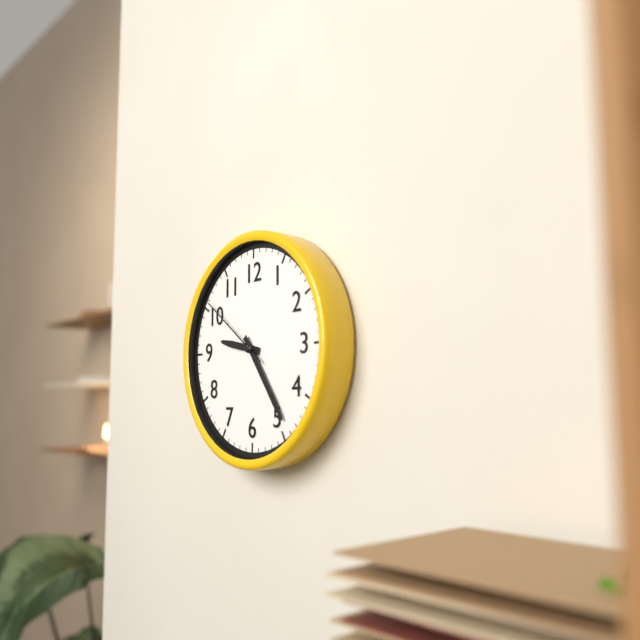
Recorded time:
{"hour": 9, "minute": 24, "second": 51}
